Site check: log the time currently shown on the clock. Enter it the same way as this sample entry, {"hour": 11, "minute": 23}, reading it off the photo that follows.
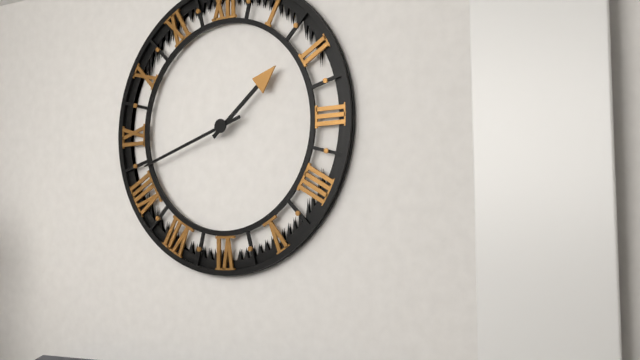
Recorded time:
{"hour": 1, "minute": 42}
